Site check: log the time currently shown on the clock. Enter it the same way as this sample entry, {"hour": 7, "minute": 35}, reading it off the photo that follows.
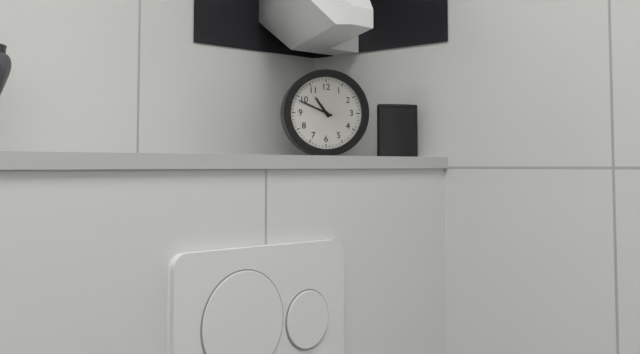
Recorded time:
{"hour": 10, "minute": 49}
